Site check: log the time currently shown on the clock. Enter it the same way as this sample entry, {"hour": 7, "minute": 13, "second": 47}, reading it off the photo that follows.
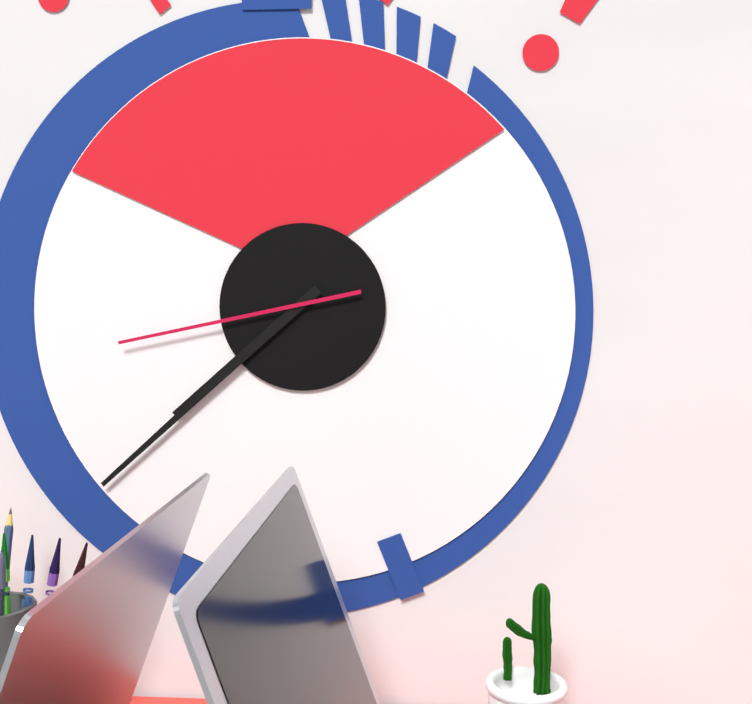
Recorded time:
{"hour": 7, "minute": 38, "second": 43}
